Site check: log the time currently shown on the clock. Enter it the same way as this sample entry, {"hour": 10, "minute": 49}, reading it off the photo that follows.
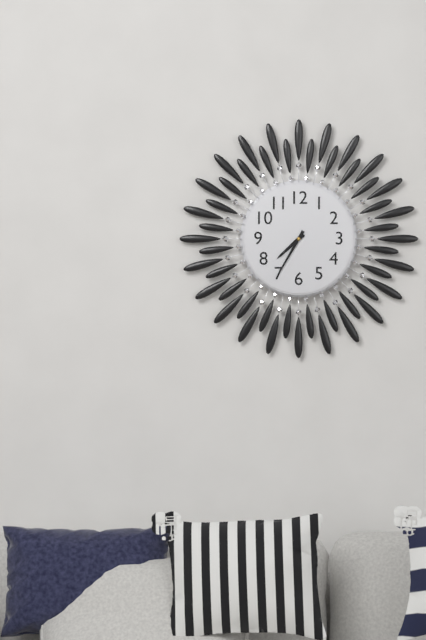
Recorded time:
{"hour": 7, "minute": 35}
